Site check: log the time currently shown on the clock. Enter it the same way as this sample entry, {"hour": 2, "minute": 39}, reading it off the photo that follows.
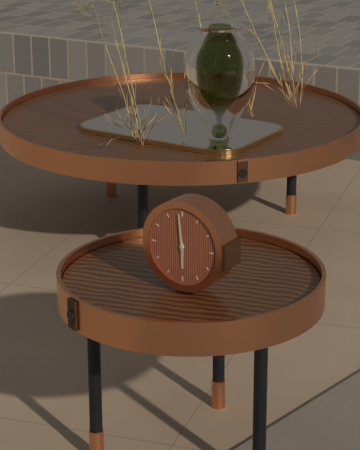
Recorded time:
{"hour": 5, "minute": 59}
